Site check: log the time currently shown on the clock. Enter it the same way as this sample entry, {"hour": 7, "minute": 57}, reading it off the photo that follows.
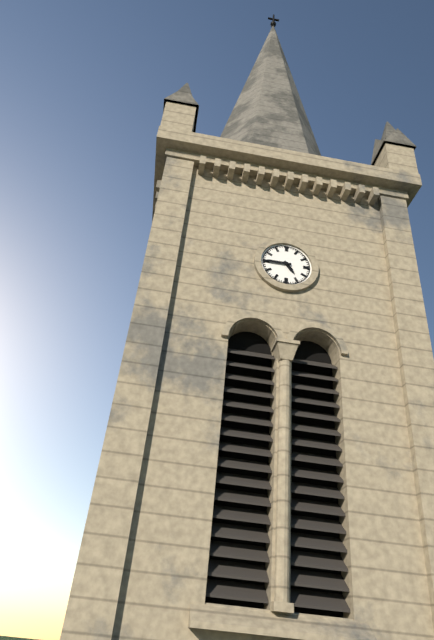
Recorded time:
{"hour": 4, "minute": 45}
